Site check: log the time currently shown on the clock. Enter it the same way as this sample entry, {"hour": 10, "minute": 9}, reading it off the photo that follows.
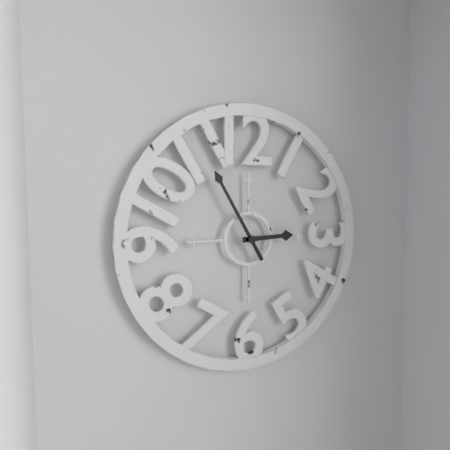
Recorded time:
{"hour": 2, "minute": 55}
